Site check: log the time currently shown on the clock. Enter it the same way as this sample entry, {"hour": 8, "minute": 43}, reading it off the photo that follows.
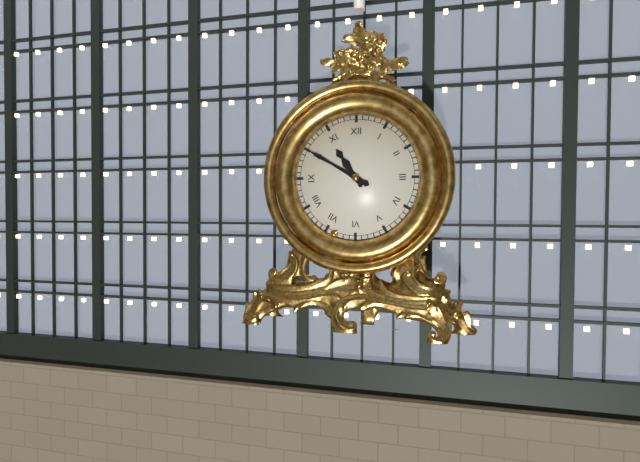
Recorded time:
{"hour": 10, "minute": 50}
